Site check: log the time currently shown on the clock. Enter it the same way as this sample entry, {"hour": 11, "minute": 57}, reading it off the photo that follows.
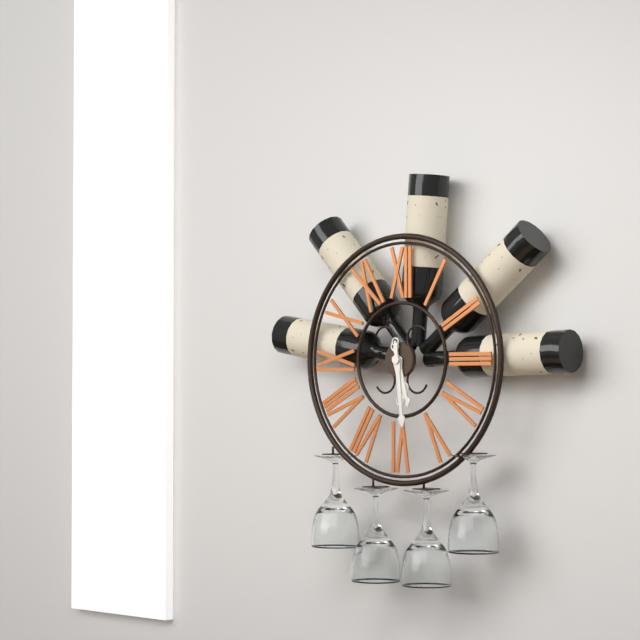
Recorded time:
{"hour": 5, "minute": 29}
